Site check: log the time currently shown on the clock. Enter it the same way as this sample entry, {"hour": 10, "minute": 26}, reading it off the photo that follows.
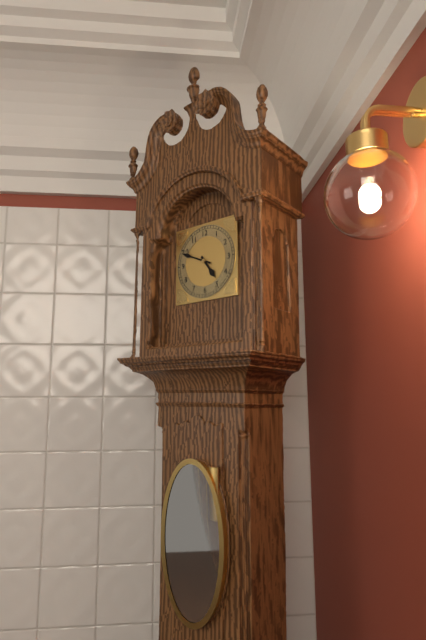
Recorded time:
{"hour": 4, "minute": 49}
